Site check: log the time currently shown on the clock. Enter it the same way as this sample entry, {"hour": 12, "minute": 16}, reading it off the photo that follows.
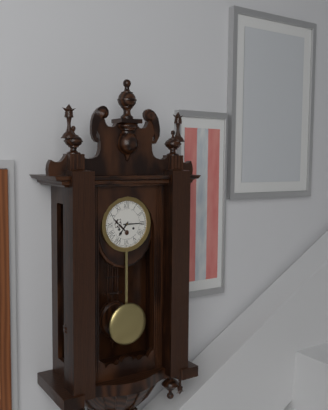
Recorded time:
{"hour": 7, "minute": 15}
